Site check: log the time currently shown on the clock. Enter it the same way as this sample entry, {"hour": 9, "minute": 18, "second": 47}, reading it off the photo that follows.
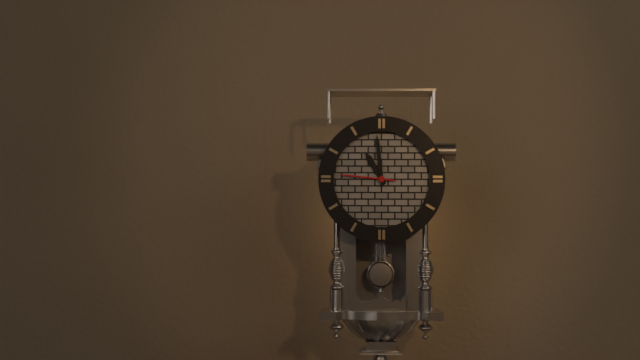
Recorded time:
{"hour": 10, "minute": 59, "second": 46}
